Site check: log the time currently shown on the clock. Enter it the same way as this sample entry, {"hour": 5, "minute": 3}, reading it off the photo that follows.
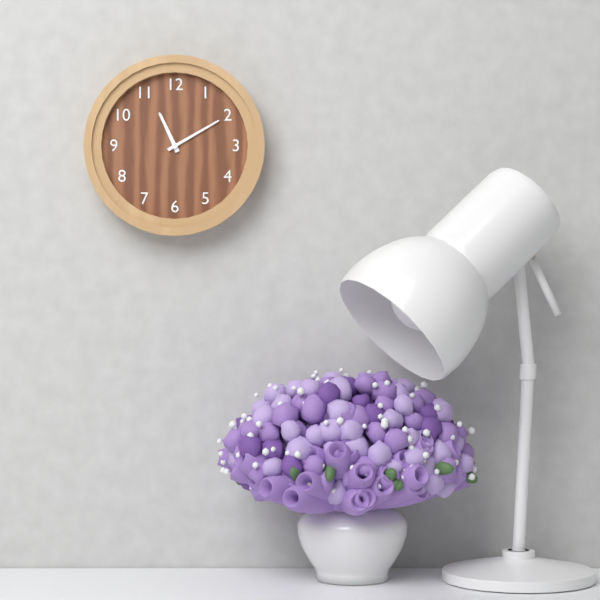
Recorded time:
{"hour": 11, "minute": 10}
